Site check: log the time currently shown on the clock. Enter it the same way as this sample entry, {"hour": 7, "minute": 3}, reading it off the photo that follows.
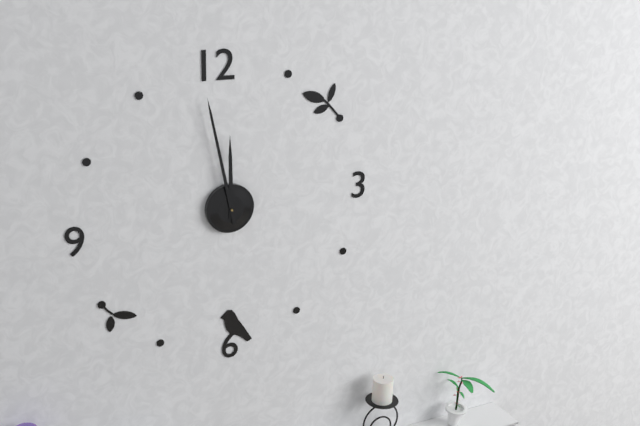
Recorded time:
{"hour": 11, "minute": 58}
